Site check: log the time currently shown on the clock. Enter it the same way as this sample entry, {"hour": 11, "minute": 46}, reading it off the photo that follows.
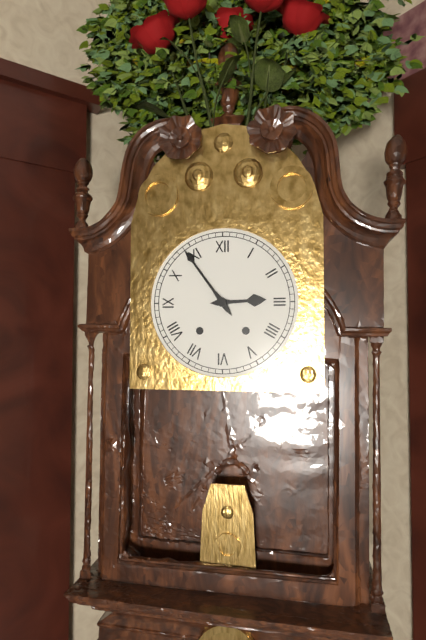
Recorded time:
{"hour": 2, "minute": 54}
